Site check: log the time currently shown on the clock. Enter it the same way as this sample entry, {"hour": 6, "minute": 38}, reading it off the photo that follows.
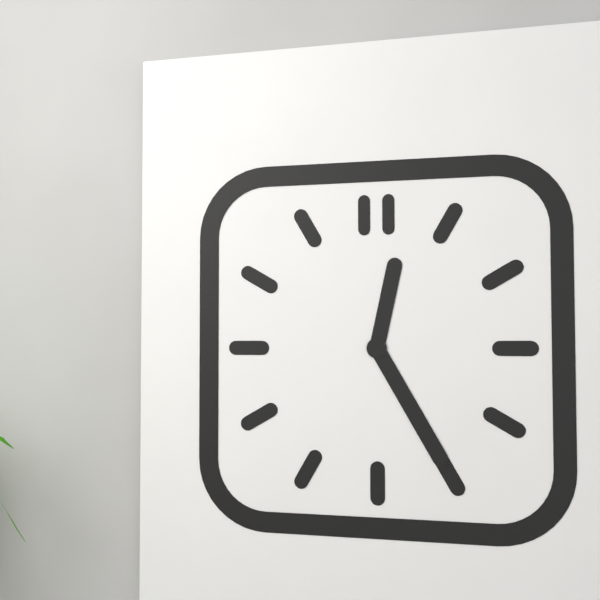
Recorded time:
{"hour": 12, "minute": 25}
